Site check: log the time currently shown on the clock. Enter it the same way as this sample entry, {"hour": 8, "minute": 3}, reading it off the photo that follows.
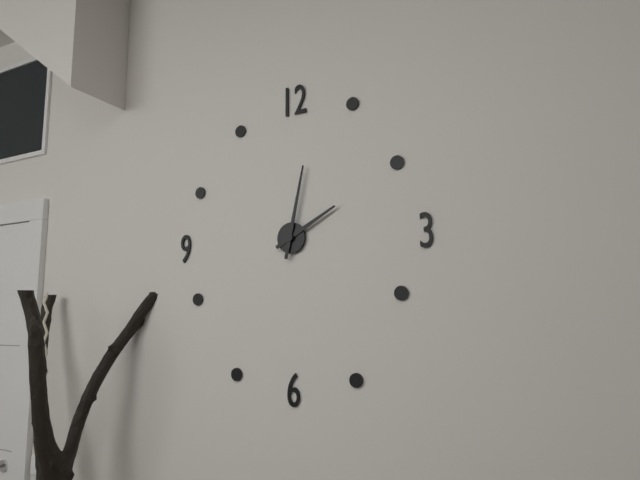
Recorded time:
{"hour": 2, "minute": 2}
